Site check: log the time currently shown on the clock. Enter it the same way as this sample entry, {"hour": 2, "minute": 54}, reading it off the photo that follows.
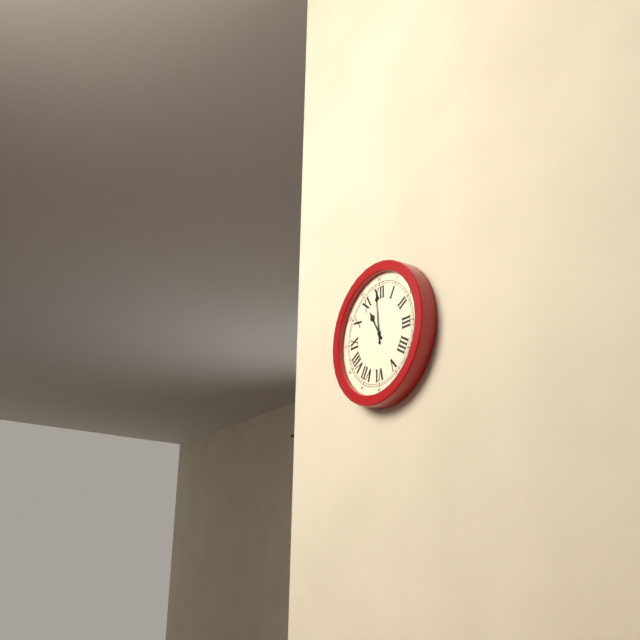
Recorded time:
{"hour": 10, "minute": 59}
